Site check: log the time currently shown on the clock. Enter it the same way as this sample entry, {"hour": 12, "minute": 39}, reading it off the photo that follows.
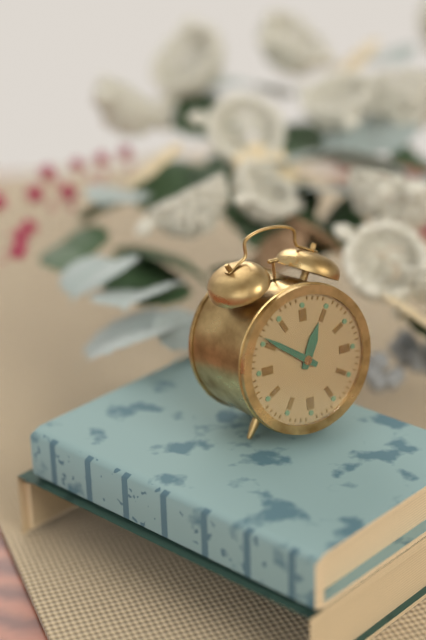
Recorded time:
{"hour": 12, "minute": 51}
